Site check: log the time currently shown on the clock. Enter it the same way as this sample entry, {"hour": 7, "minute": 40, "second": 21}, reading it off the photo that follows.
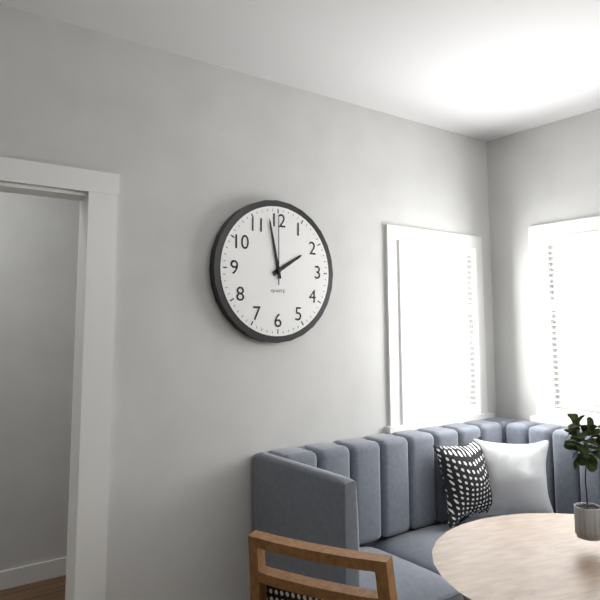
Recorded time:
{"hour": 1, "minute": 58, "second": 0}
